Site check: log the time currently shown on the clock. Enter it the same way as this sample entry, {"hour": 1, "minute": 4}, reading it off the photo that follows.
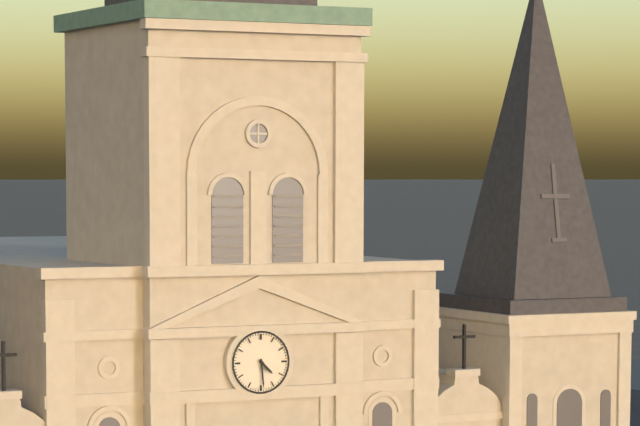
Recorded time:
{"hour": 4, "minute": 29}
